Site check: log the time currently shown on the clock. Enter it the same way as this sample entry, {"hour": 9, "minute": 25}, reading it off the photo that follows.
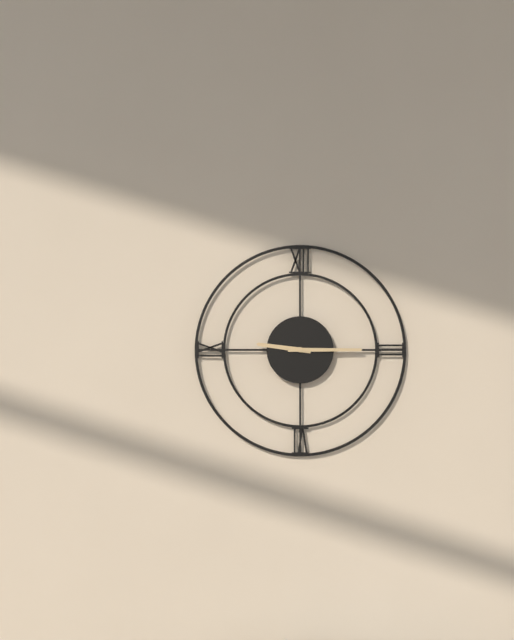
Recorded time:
{"hour": 9, "minute": 15}
